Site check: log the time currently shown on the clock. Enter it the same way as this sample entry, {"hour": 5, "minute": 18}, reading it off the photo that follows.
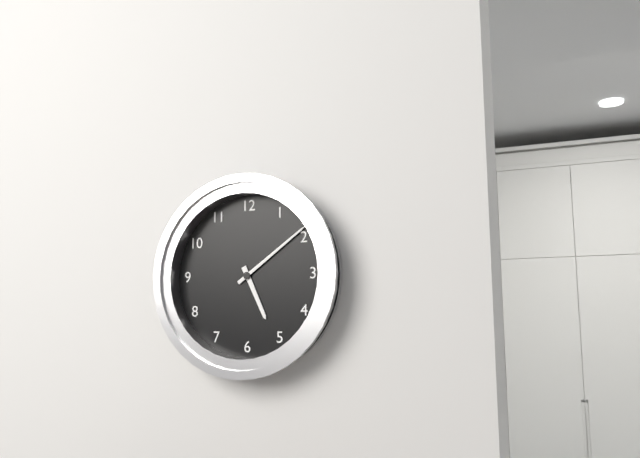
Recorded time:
{"hour": 5, "minute": 9}
